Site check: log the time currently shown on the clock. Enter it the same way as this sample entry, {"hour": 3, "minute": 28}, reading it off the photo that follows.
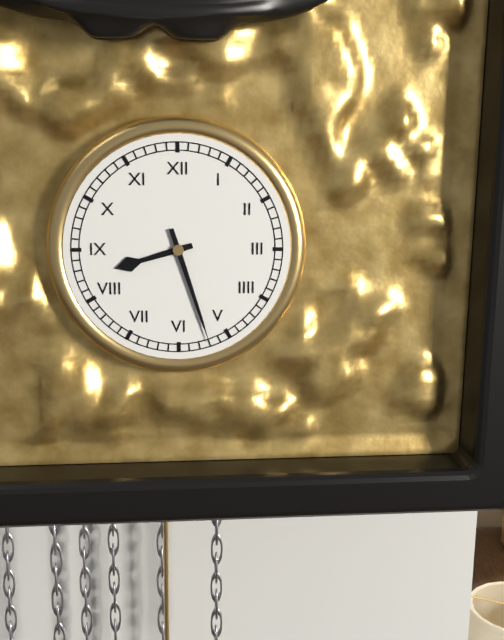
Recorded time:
{"hour": 8, "minute": 27}
